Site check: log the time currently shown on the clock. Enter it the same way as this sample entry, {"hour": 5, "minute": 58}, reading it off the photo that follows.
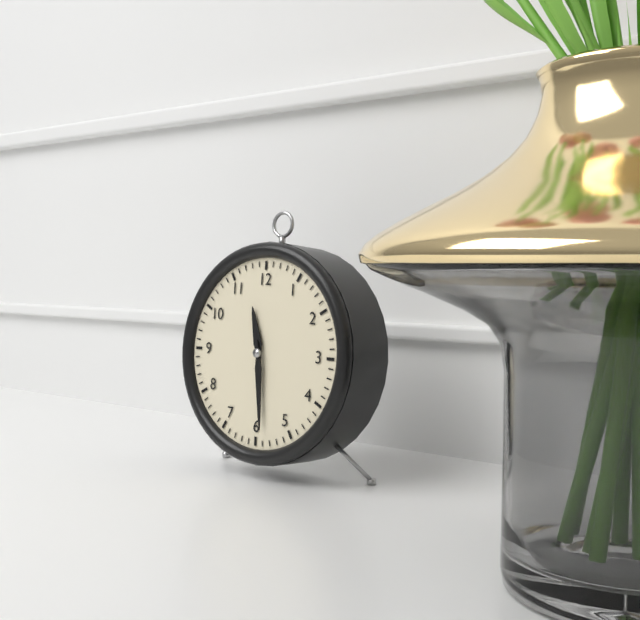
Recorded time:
{"hour": 11, "minute": 29}
